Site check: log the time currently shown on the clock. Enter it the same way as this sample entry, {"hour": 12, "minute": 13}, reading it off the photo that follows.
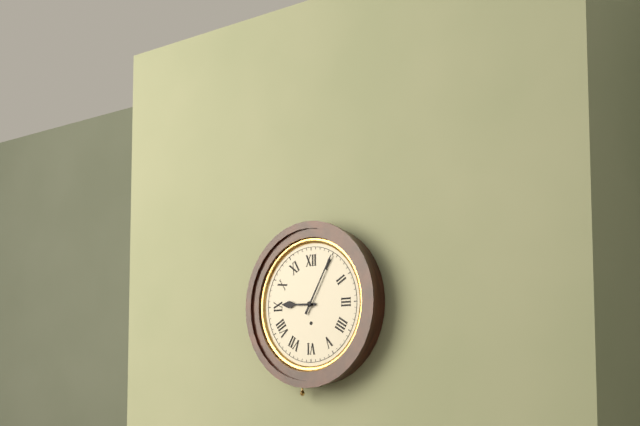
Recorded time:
{"hour": 9, "minute": 5}
